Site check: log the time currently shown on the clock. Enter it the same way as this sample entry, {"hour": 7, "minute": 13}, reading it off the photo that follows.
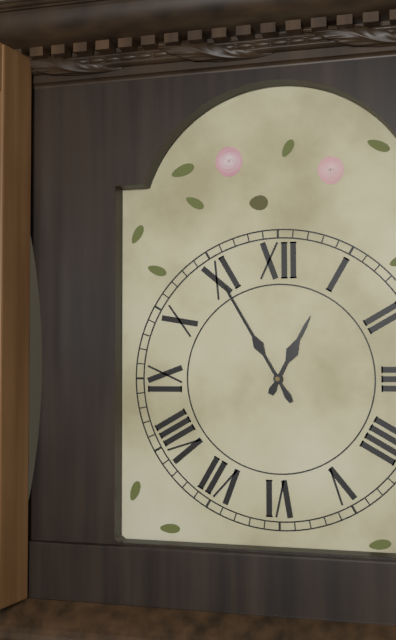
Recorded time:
{"hour": 12, "minute": 55}
